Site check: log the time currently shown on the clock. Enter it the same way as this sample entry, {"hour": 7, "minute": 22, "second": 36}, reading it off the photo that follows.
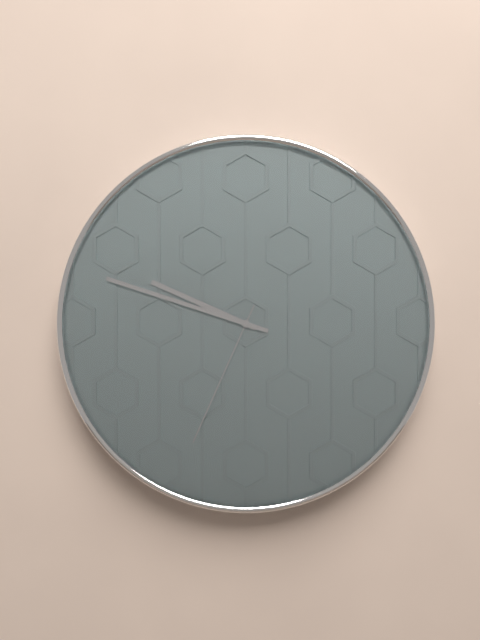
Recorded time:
{"hour": 9, "minute": 48, "second": 34}
